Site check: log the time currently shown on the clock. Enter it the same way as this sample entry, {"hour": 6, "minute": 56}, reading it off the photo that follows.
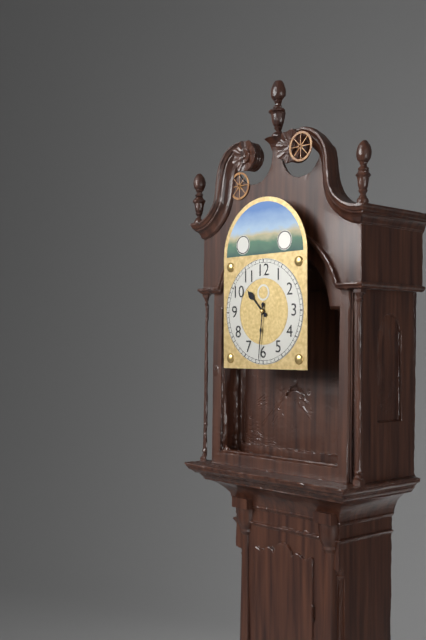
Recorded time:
{"hour": 10, "minute": 31}
